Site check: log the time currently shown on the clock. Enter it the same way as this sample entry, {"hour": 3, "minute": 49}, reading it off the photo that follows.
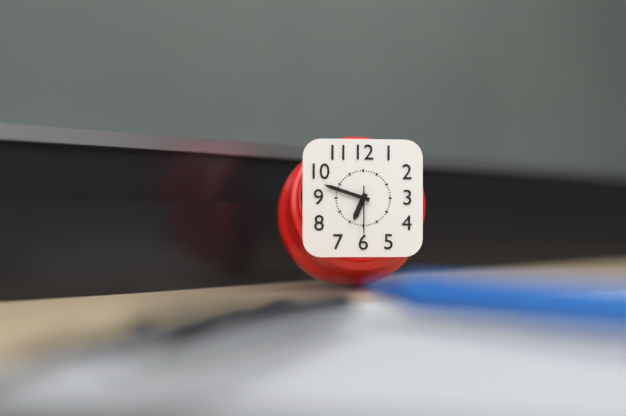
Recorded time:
{"hour": 6, "minute": 48}
